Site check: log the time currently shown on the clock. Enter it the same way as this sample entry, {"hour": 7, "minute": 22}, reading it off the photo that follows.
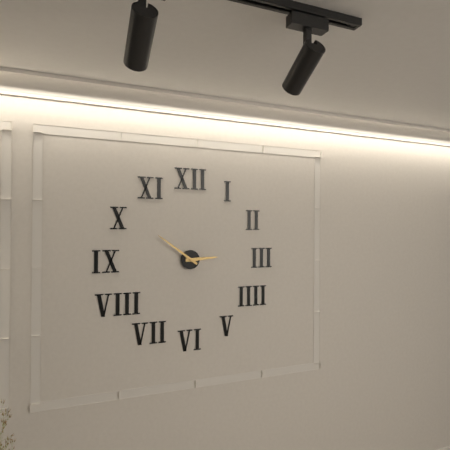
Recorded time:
{"hour": 2, "minute": 51}
